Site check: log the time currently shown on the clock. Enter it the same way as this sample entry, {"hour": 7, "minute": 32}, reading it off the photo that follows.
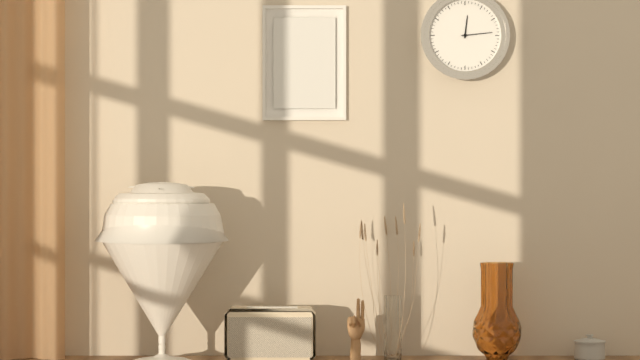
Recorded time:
{"hour": 12, "minute": 14}
